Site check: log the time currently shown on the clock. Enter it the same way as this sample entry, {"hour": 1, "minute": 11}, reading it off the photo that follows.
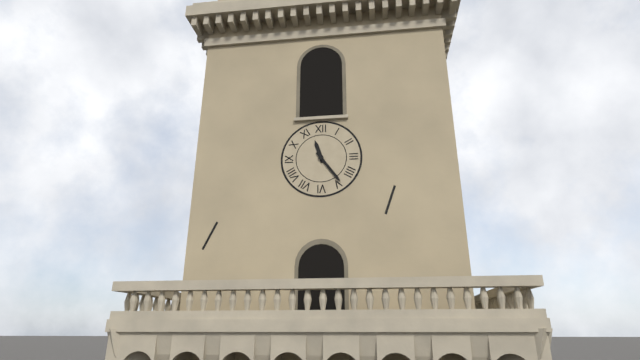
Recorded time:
{"hour": 11, "minute": 24}
